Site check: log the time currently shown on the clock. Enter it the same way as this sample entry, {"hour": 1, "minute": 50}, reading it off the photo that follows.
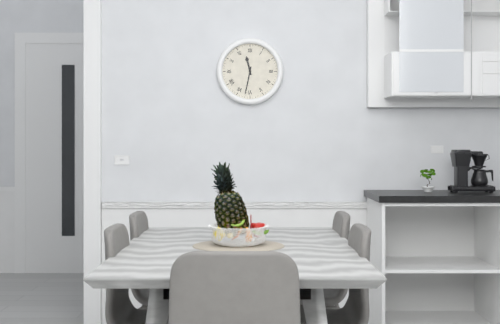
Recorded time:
{"hour": 11, "minute": 32}
